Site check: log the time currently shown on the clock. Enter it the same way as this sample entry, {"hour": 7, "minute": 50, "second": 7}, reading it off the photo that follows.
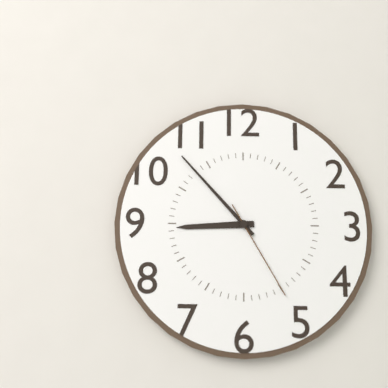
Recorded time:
{"hour": 8, "minute": 53, "second": 25}
